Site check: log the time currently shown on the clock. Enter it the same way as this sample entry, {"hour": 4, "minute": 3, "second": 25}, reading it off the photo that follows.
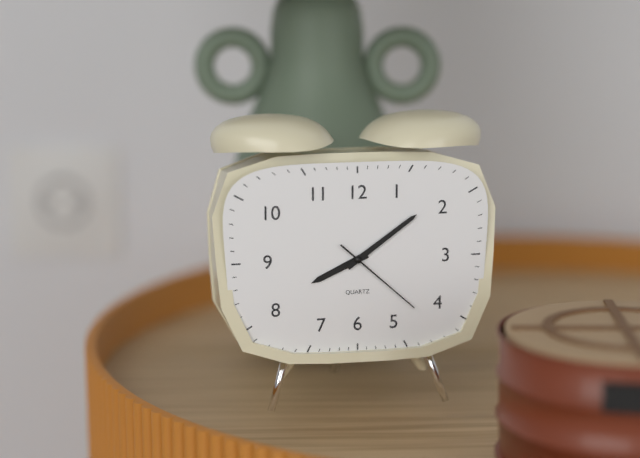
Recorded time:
{"hour": 8, "minute": 9, "second": 22}
